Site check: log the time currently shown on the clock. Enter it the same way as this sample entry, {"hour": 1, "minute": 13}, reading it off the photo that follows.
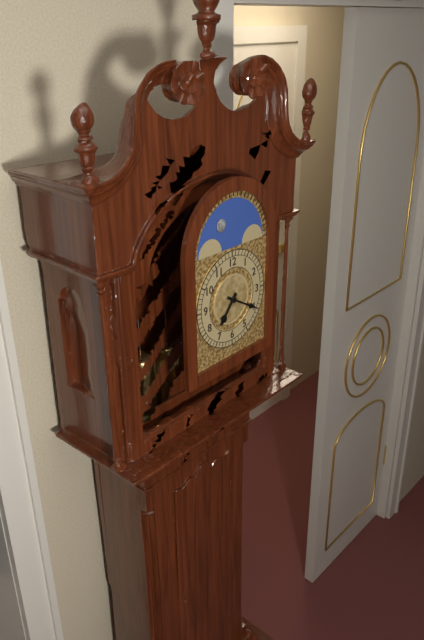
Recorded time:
{"hour": 7, "minute": 20}
